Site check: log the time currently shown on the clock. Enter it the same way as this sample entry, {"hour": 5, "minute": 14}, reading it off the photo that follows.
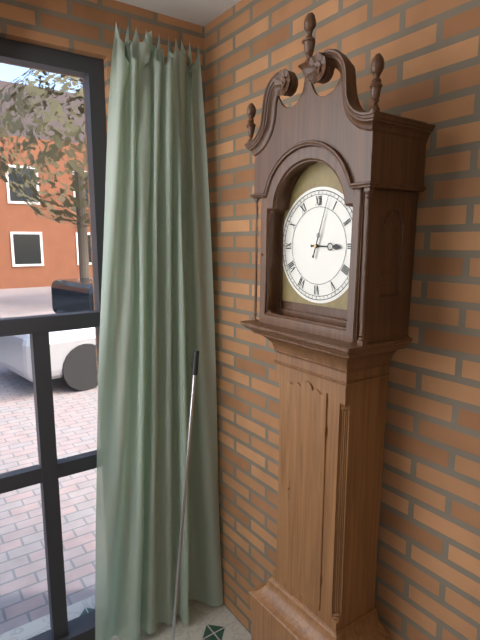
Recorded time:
{"hour": 3, "minute": 3}
